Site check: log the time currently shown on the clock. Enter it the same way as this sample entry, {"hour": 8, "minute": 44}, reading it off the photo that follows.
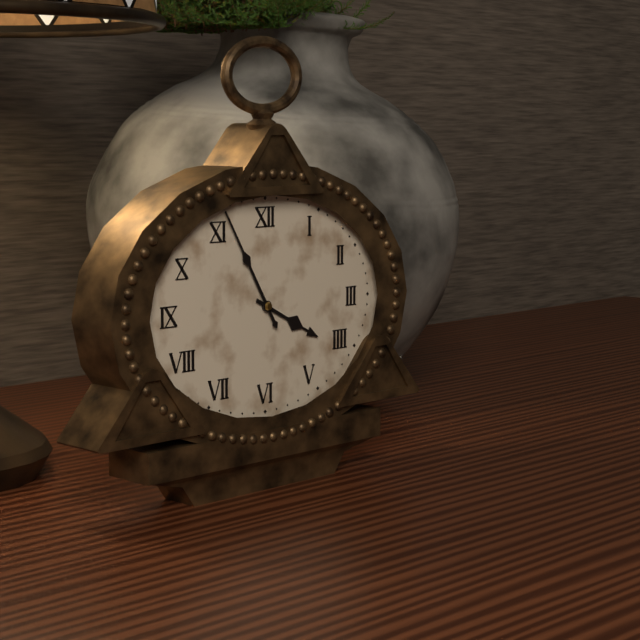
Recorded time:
{"hour": 3, "minute": 55}
